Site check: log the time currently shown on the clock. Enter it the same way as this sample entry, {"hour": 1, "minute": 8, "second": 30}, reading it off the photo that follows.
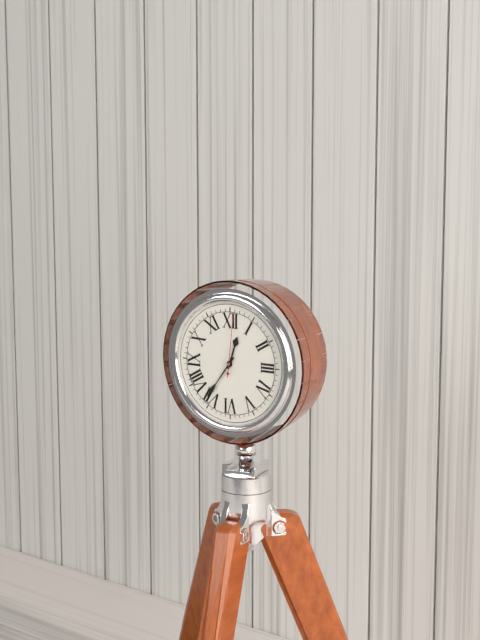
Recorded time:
{"hour": 12, "minute": 36, "second": 1}
